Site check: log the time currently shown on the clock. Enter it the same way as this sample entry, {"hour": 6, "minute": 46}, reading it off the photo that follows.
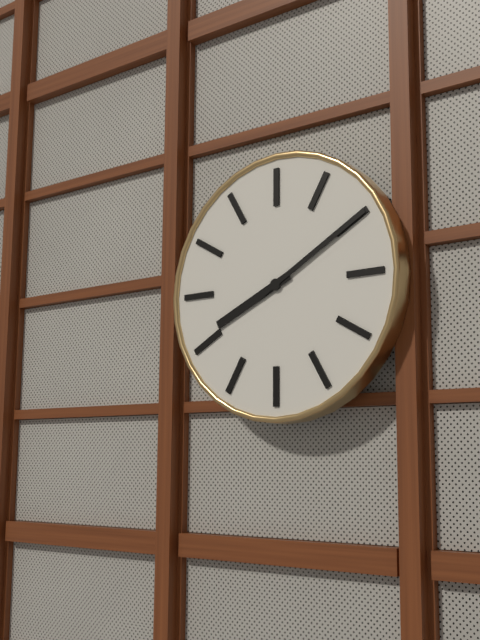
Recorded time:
{"hour": 8, "minute": 10}
